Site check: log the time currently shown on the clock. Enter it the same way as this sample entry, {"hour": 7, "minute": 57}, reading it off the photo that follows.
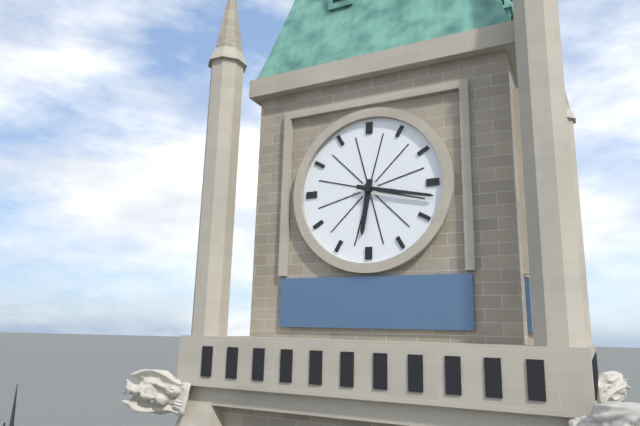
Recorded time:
{"hour": 6, "minute": 17}
